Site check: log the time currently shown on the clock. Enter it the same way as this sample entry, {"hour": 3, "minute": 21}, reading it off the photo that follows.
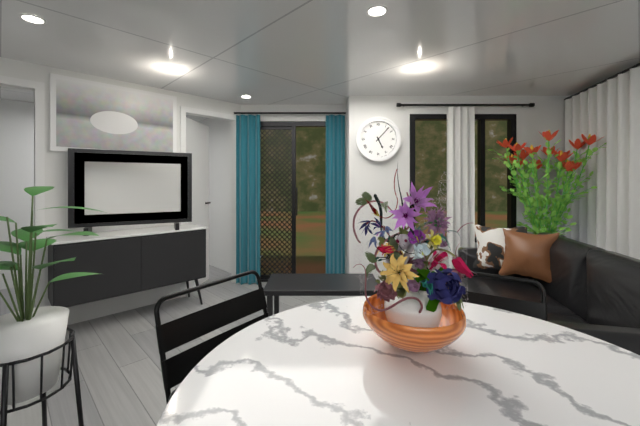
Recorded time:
{"hour": 5, "minute": 7}
